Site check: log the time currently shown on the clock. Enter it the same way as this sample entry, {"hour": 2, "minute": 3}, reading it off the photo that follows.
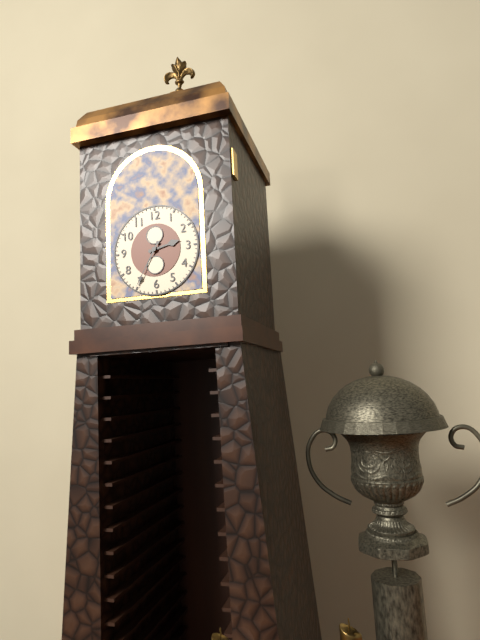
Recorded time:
{"hour": 2, "minute": 35}
